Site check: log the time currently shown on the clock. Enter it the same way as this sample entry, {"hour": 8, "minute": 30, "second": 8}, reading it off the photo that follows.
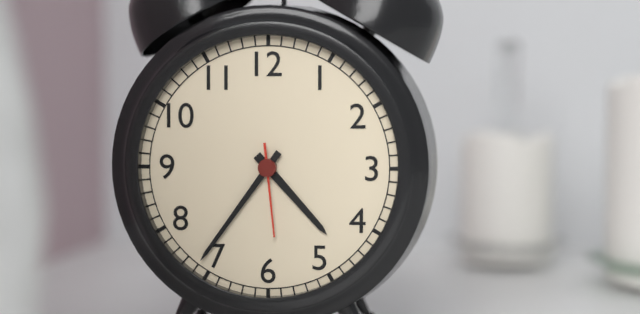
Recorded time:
{"hour": 4, "minute": 36, "second": 29}
